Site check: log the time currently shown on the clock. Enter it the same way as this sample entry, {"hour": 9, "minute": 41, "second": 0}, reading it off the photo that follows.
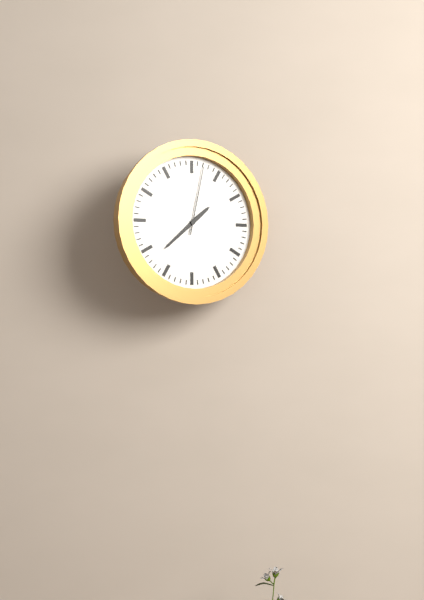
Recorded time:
{"hour": 1, "minute": 38, "second": 2}
